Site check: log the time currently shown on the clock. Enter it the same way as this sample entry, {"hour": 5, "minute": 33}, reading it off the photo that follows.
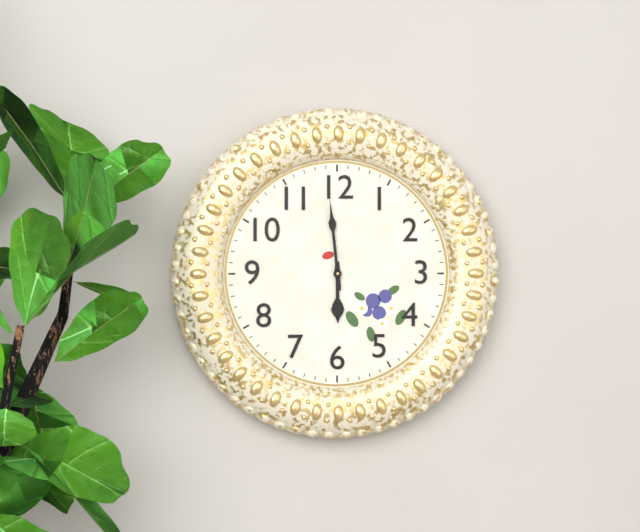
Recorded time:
{"hour": 5, "minute": 59}
